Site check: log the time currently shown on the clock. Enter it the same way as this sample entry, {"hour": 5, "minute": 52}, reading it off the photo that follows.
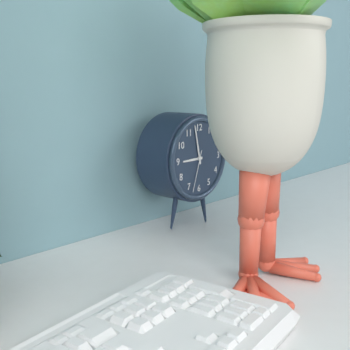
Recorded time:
{"hour": 8, "minute": 58}
